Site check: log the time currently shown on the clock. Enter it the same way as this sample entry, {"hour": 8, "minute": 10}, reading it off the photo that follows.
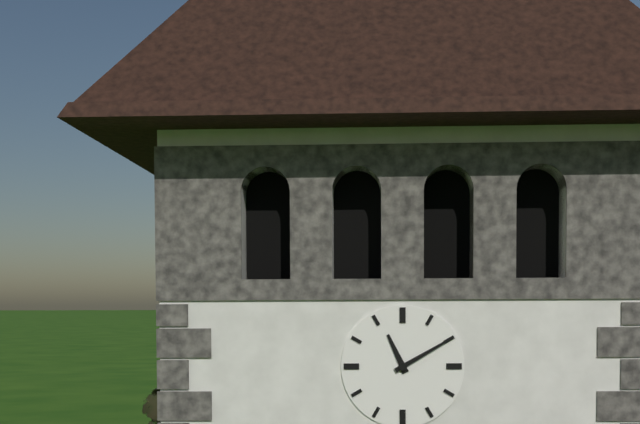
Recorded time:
{"hour": 11, "minute": 10}
